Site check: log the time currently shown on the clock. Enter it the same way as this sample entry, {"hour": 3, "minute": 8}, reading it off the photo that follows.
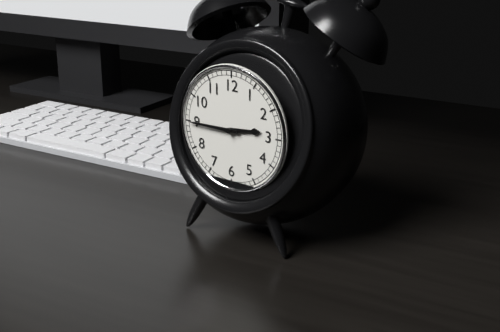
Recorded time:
{"hour": 2, "minute": 45}
